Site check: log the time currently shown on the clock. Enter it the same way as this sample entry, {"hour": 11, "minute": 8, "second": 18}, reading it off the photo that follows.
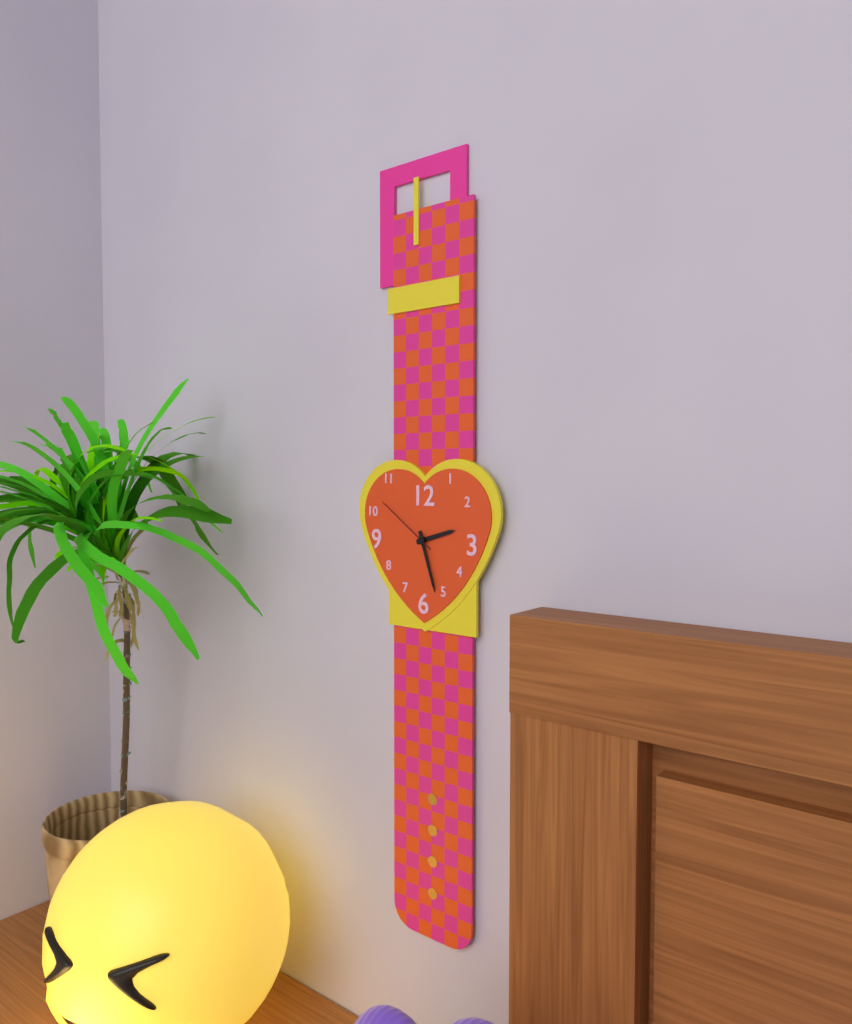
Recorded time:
{"hour": 2, "minute": 27, "second": 51}
